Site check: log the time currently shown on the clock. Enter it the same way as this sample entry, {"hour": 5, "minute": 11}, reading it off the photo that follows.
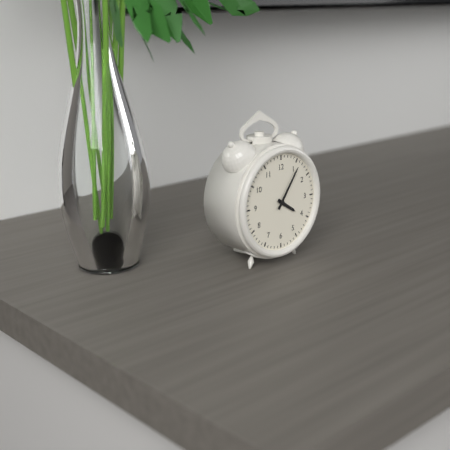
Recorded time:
{"hour": 4, "minute": 6}
